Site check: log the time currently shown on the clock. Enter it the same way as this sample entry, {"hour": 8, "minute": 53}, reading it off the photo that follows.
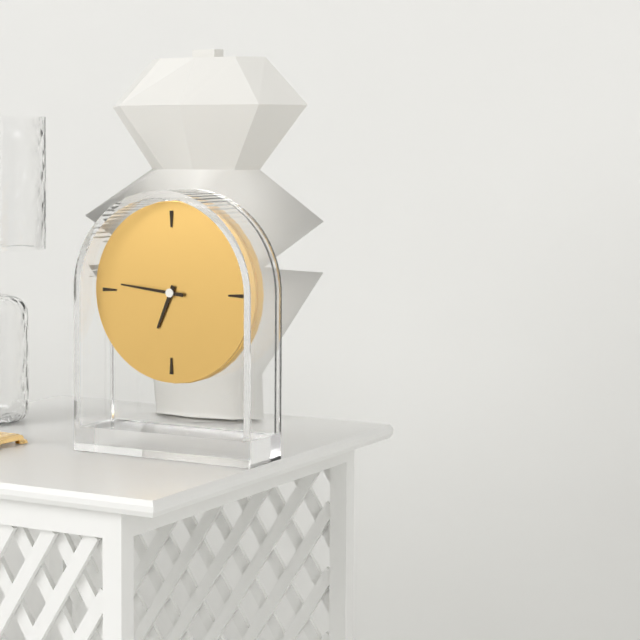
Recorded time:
{"hour": 6, "minute": 46}
